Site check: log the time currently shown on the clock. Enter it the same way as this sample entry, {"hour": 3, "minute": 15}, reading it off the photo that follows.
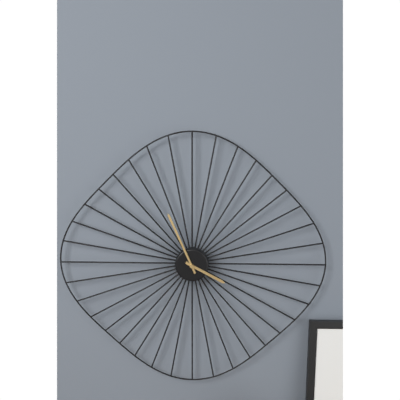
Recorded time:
{"hour": 3, "minute": 56}
